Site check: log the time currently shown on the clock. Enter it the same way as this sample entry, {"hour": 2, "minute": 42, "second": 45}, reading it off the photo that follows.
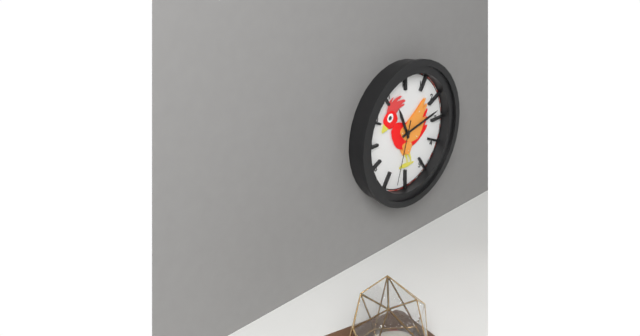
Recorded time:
{"hour": 11, "minute": 13, "second": 33}
